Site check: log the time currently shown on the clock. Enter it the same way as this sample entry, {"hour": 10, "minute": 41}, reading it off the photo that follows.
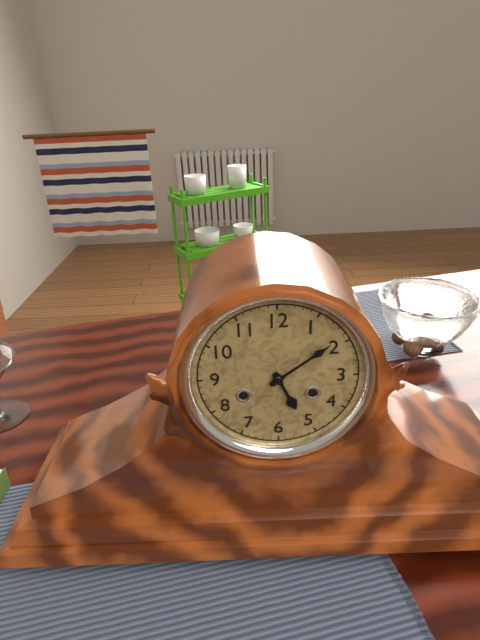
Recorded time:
{"hour": 5, "minute": 9}
